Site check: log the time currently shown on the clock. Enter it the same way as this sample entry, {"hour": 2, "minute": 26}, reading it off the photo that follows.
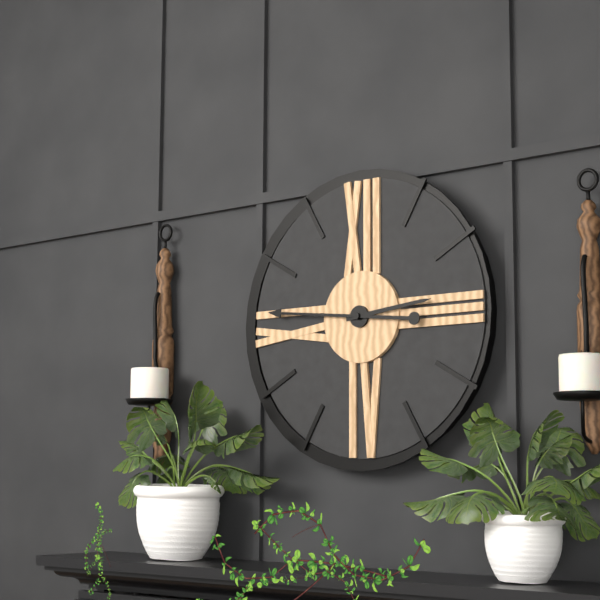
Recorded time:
{"hour": 2, "minute": 46}
